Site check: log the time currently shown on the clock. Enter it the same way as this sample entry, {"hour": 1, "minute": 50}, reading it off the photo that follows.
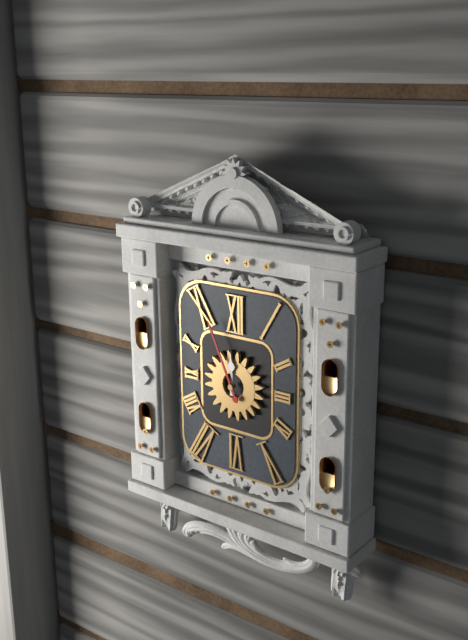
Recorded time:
{"hour": 11, "minute": 56}
